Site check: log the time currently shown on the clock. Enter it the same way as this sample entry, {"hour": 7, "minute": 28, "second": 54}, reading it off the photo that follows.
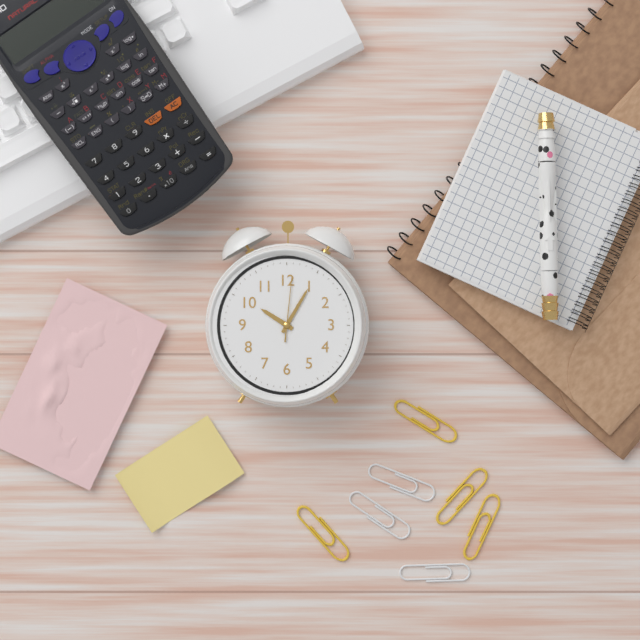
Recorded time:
{"hour": 10, "minute": 5, "second": 1}
